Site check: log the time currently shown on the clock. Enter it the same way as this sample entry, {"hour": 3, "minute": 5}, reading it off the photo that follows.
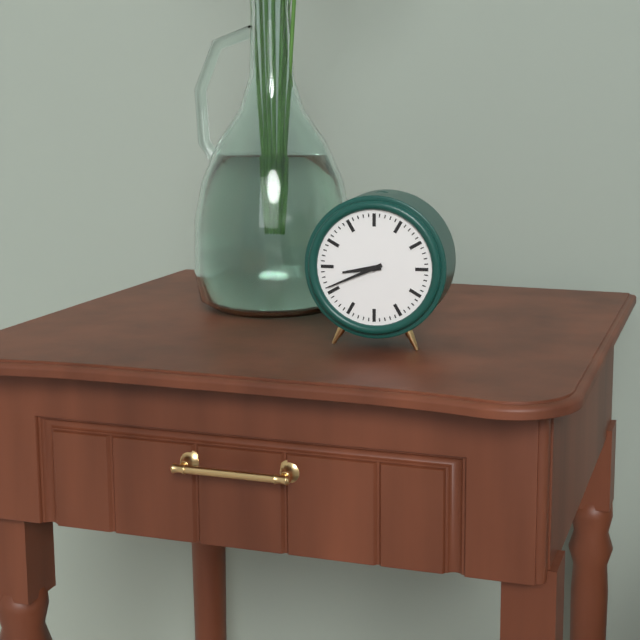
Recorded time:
{"hour": 8, "minute": 41}
